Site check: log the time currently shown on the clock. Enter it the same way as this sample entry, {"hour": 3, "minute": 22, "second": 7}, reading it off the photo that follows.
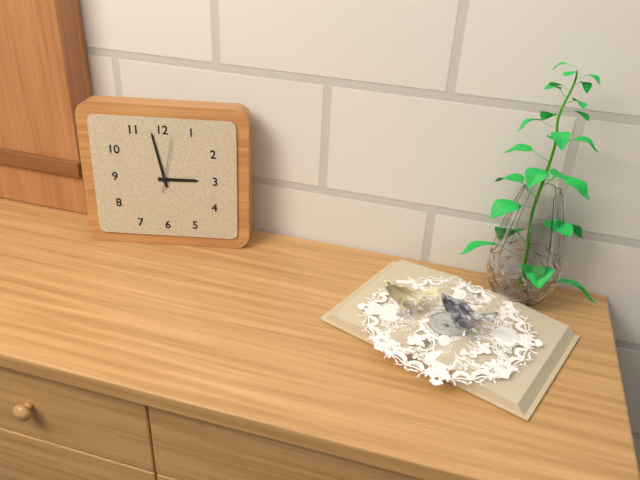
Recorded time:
{"hour": 2, "minute": 58, "second": 2}
